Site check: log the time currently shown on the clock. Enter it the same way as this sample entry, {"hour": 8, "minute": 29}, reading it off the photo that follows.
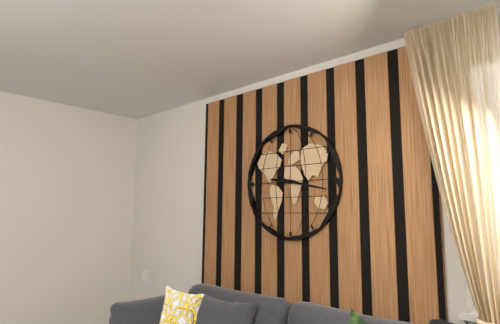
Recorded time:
{"hour": 9, "minute": 17}
